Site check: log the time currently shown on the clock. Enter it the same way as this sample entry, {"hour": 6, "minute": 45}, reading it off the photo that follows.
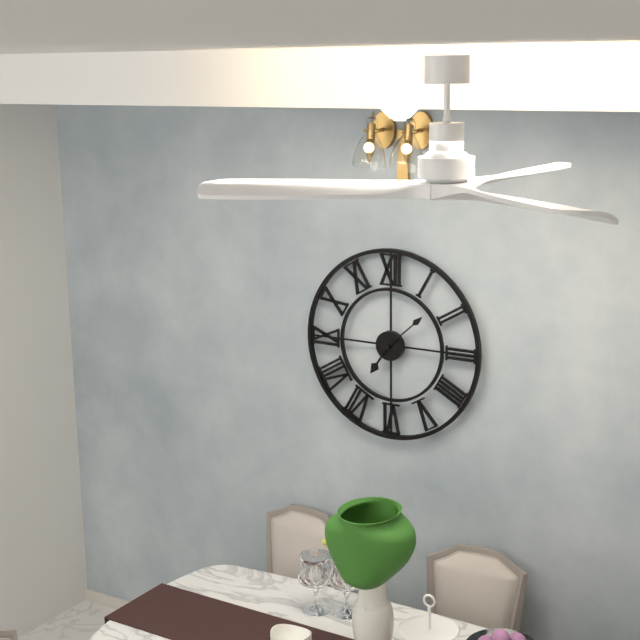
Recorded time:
{"hour": 7, "minute": 8}
